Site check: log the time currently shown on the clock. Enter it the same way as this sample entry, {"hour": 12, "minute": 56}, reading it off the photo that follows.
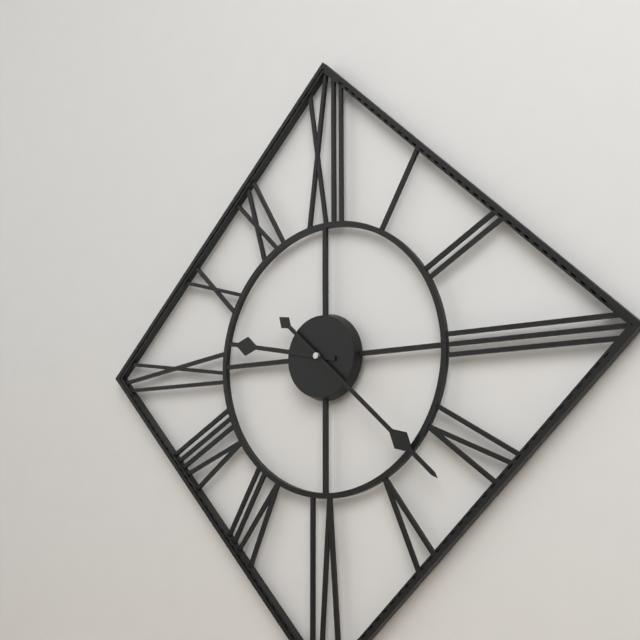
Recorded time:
{"hour": 9, "minute": 22}
